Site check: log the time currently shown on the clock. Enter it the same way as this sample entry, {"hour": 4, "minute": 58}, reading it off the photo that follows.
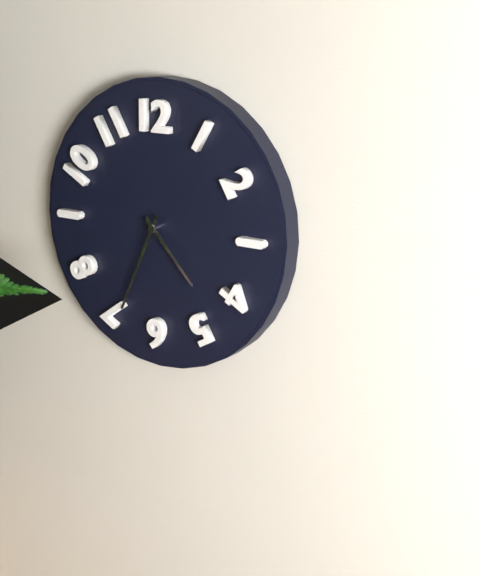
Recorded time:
{"hour": 4, "minute": 34}
